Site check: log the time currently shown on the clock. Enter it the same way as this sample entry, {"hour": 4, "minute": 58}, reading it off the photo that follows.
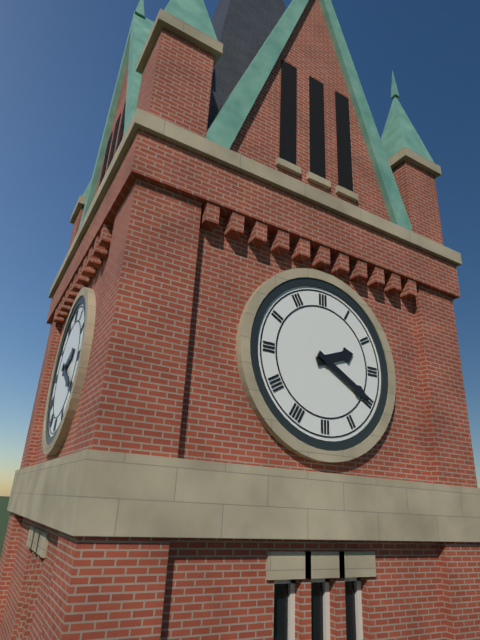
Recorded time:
{"hour": 2, "minute": 20}
